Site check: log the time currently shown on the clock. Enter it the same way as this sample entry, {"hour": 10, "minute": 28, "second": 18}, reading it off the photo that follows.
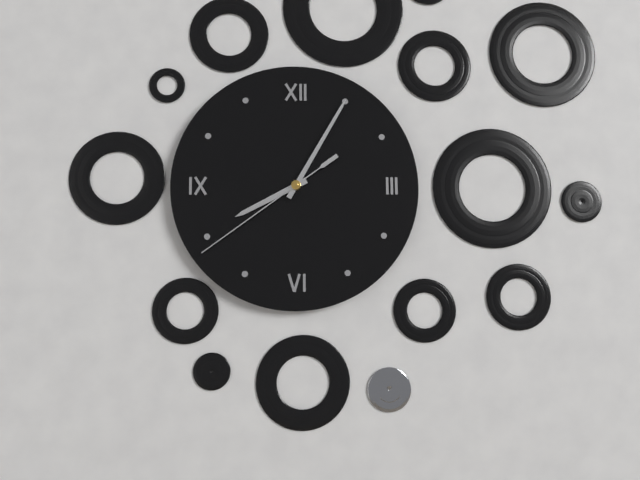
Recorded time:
{"hour": 8, "minute": 5, "second": 39}
